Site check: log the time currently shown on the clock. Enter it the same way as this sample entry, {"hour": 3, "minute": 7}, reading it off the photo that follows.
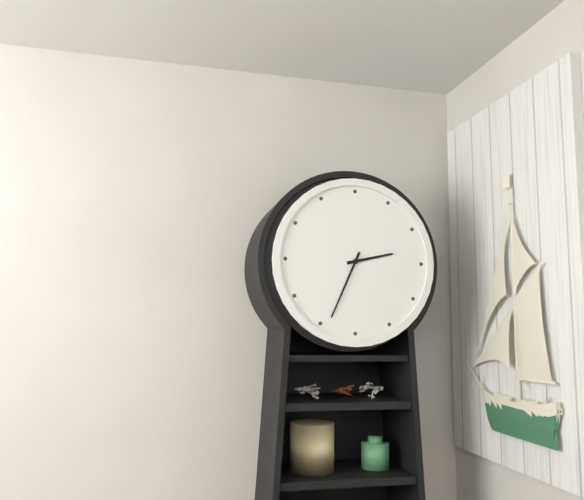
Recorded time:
{"hour": 2, "minute": 34}
